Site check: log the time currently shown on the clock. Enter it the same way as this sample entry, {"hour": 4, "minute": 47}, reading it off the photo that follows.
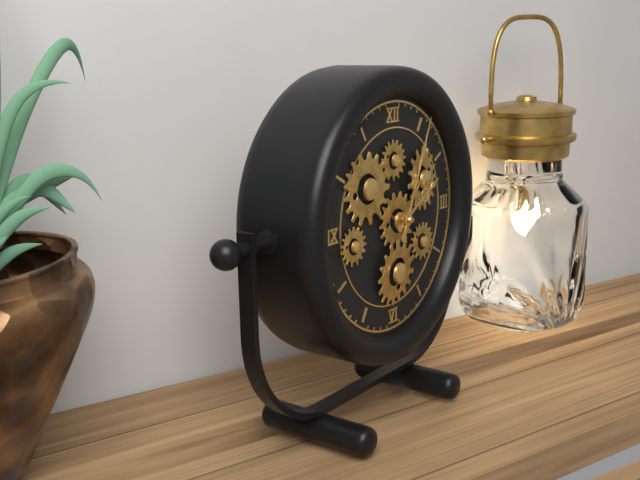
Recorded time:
{"hour": 2, "minute": 4}
